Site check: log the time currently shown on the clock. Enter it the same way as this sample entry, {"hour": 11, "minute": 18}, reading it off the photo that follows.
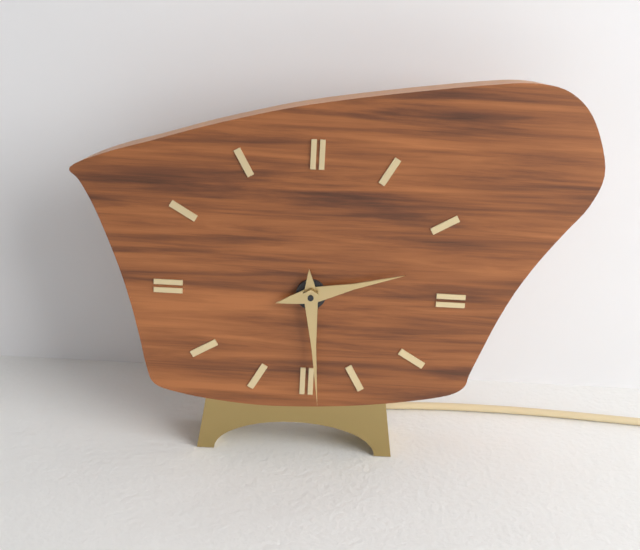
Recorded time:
{"hour": 2, "minute": 29}
